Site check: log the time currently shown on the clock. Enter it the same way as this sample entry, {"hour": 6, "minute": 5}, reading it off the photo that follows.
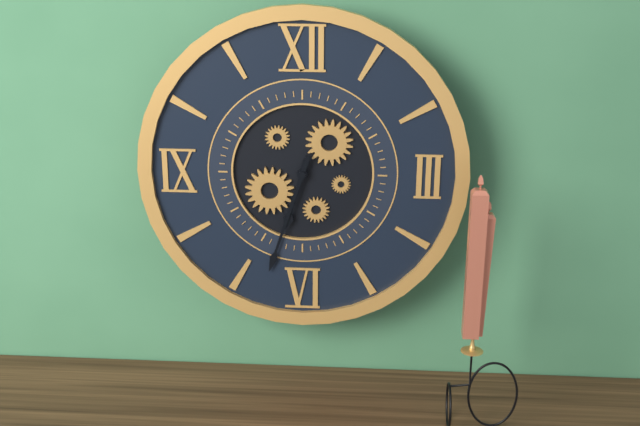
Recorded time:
{"hour": 6, "minute": 33}
